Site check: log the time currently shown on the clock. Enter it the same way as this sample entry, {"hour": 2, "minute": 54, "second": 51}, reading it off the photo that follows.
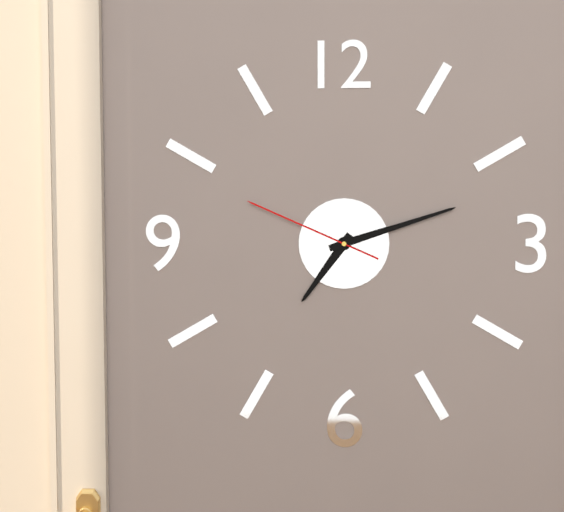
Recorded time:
{"hour": 7, "minute": 12, "second": 49}
